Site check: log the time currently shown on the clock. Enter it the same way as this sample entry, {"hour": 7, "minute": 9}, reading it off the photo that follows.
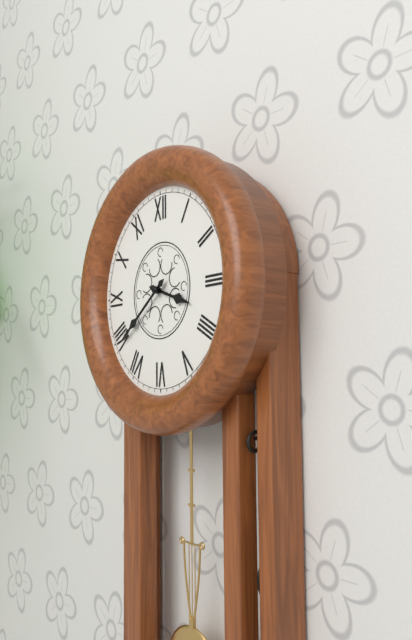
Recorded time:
{"hour": 3, "minute": 39}
